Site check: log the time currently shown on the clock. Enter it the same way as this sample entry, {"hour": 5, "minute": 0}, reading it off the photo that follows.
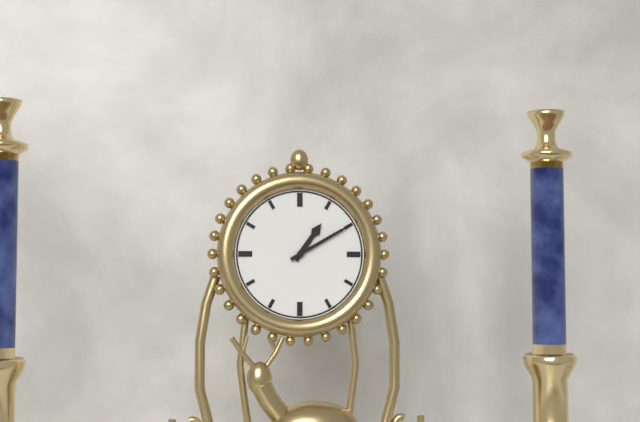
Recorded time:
{"hour": 1, "minute": 10}
